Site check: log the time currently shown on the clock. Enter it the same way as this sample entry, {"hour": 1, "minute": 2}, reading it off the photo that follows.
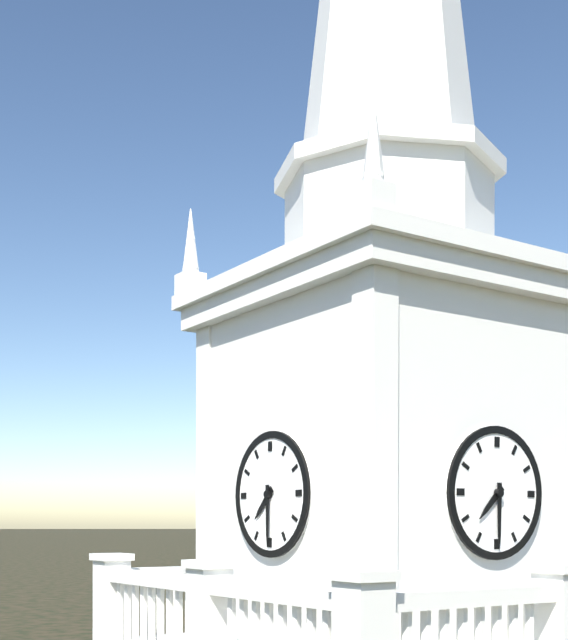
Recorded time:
{"hour": 7, "minute": 30}
